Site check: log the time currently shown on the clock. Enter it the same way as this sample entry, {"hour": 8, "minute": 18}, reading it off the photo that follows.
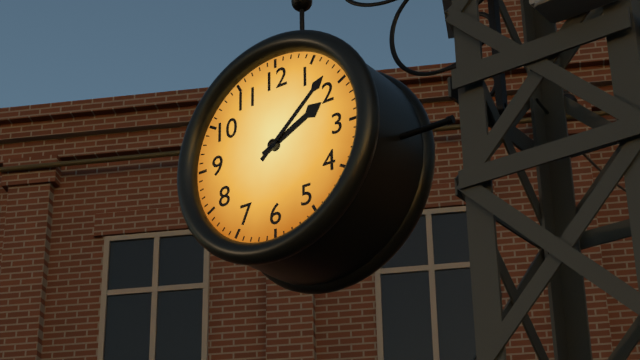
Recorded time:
{"hour": 2, "minute": 8}
